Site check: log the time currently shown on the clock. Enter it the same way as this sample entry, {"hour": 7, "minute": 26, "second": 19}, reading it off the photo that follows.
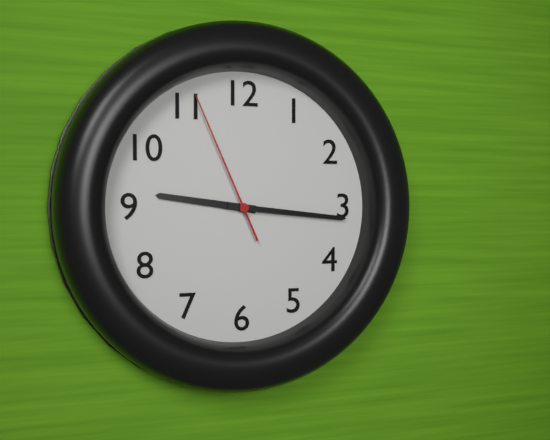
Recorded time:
{"hour": 9, "minute": 16, "second": 56}
